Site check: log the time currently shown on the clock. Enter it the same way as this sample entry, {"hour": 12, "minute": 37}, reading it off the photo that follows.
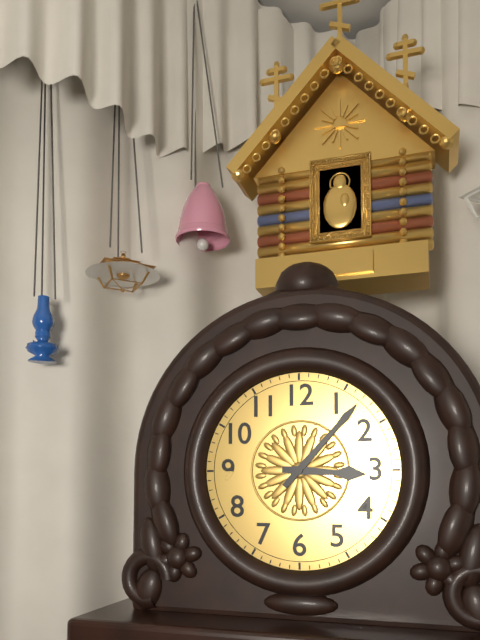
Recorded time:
{"hour": 3, "minute": 7}
